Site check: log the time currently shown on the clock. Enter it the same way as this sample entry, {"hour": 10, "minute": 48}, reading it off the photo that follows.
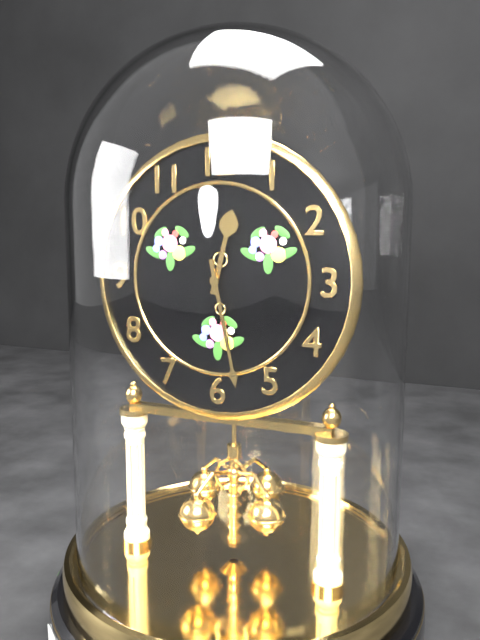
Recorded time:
{"hour": 12, "minute": 28}
